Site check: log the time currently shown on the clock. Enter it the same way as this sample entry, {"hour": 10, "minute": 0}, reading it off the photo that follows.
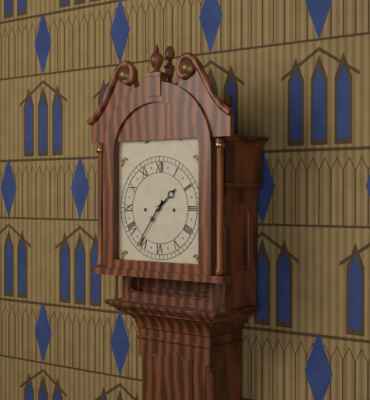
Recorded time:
{"hour": 1, "minute": 36}
